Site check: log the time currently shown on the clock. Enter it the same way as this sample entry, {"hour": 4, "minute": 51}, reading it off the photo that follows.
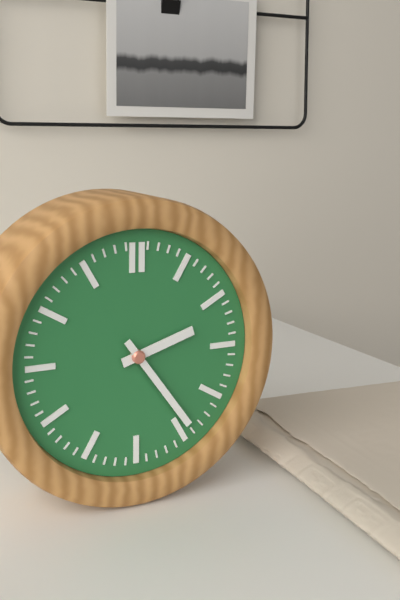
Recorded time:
{"hour": 2, "minute": 24}
